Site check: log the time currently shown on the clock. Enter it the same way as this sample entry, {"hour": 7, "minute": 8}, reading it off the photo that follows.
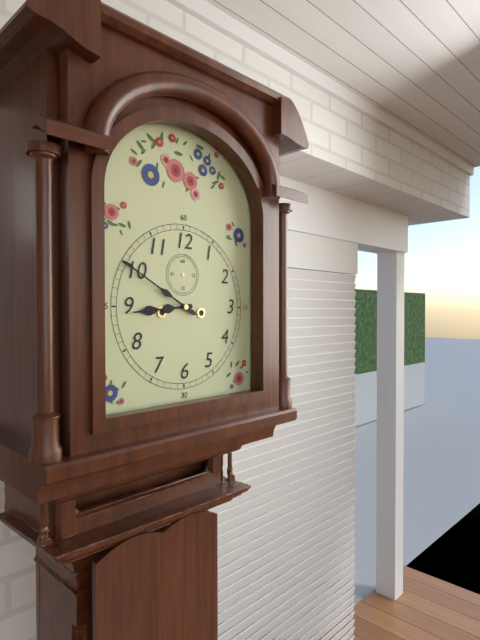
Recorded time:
{"hour": 8, "minute": 50}
